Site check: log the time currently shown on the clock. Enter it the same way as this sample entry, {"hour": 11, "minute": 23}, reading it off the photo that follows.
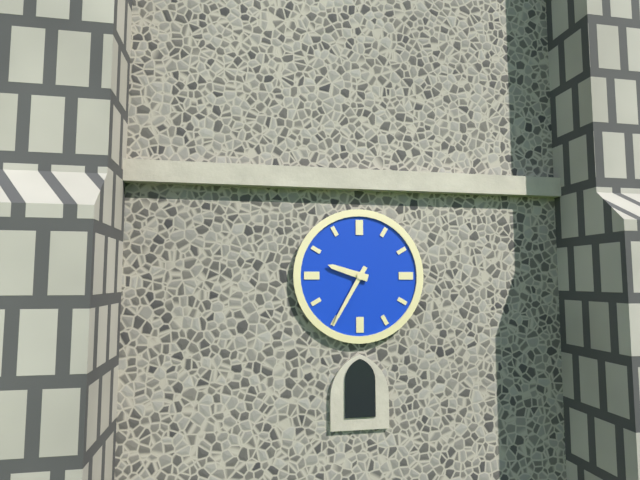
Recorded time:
{"hour": 9, "minute": 35}
